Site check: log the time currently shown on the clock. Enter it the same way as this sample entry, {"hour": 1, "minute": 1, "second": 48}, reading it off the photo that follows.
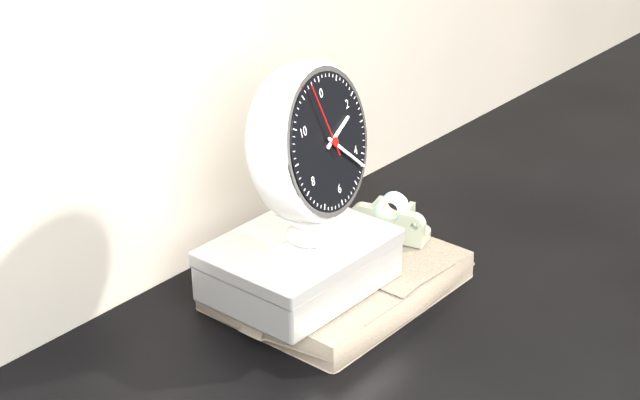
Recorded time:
{"hour": 2, "minute": 22, "second": 57}
